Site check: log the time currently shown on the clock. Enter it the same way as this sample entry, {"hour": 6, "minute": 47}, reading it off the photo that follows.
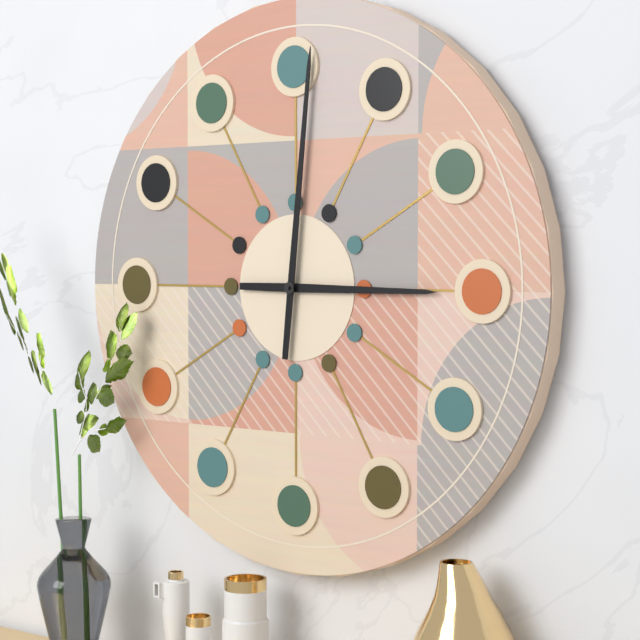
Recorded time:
{"hour": 3, "minute": 1}
